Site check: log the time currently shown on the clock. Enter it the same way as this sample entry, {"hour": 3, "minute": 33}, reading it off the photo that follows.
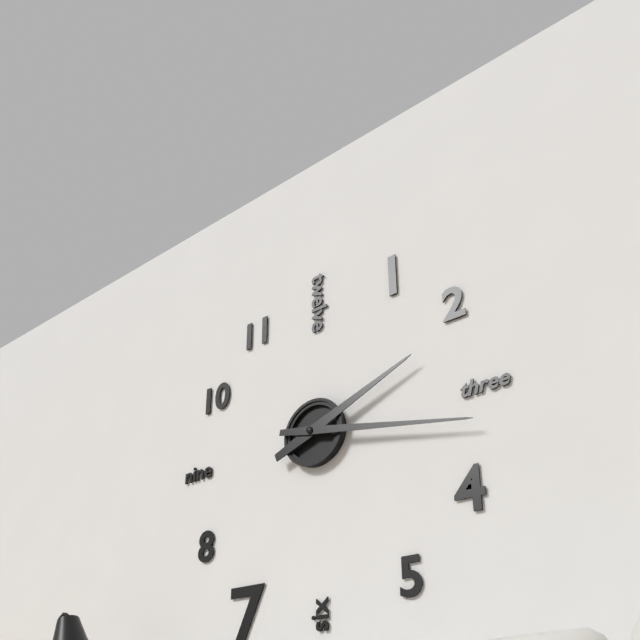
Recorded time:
{"hour": 2, "minute": 17}
